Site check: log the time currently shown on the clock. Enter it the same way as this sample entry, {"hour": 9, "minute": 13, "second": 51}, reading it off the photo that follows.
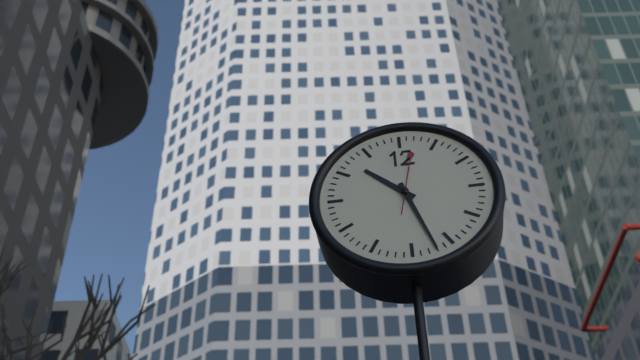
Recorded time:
{"hour": 10, "minute": 27, "second": 2}
